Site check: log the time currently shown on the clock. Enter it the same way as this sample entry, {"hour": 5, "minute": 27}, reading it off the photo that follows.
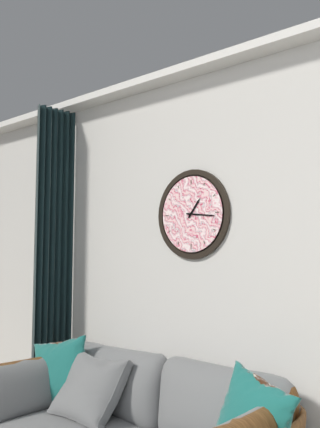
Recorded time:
{"hour": 1, "minute": 16}
